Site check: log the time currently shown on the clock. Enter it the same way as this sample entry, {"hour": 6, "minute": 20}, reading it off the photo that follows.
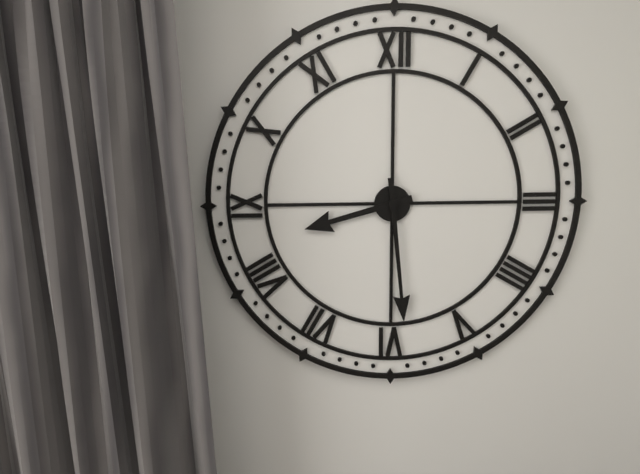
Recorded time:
{"hour": 8, "minute": 29}
